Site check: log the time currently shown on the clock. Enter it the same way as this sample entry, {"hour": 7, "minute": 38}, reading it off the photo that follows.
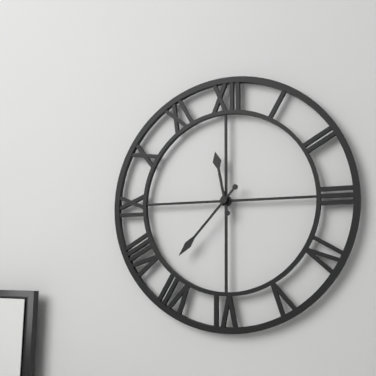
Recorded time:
{"hour": 11, "minute": 37}
